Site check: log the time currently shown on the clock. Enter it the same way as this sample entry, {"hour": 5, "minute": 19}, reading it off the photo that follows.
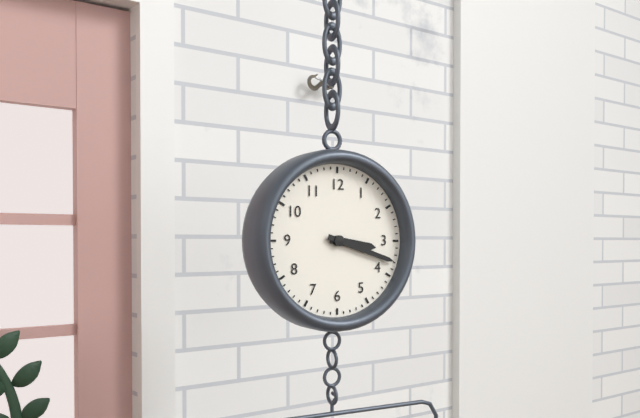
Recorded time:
{"hour": 3, "minute": 18}
